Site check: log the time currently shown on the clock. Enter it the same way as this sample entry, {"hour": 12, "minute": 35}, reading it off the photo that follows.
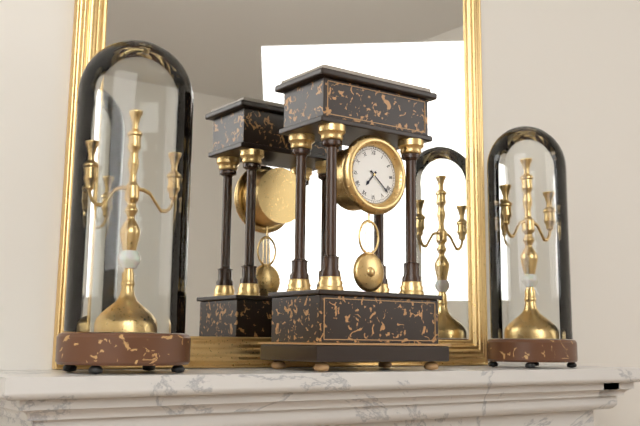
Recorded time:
{"hour": 7, "minute": 22}
